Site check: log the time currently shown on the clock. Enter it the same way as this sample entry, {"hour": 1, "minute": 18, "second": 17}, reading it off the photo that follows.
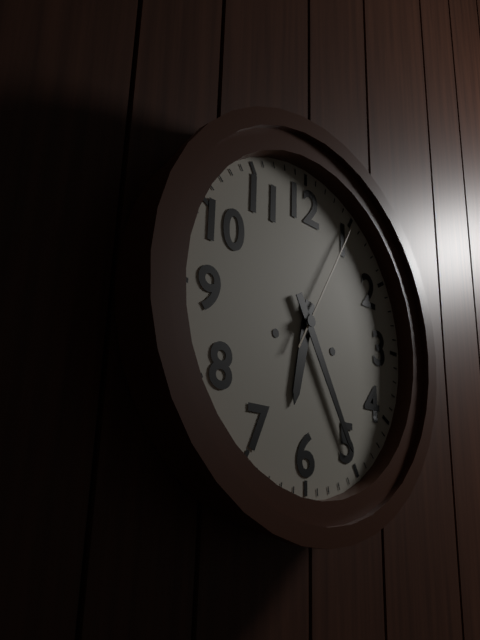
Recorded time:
{"hour": 6, "minute": 25, "second": 5}
